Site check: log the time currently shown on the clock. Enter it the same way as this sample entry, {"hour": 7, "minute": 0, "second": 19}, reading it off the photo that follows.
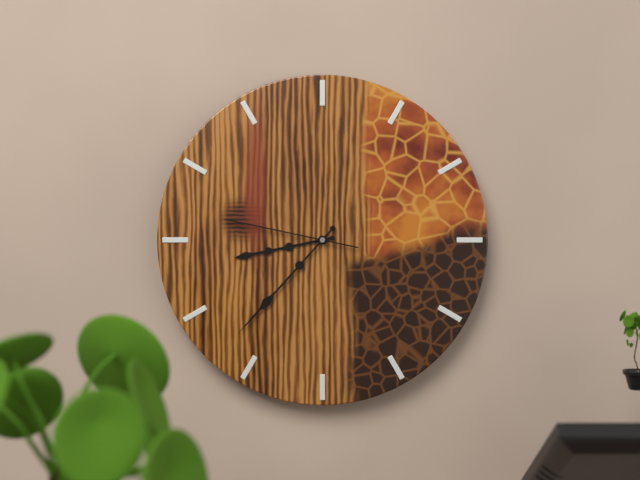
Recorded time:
{"hour": 8, "minute": 37, "second": 47}
